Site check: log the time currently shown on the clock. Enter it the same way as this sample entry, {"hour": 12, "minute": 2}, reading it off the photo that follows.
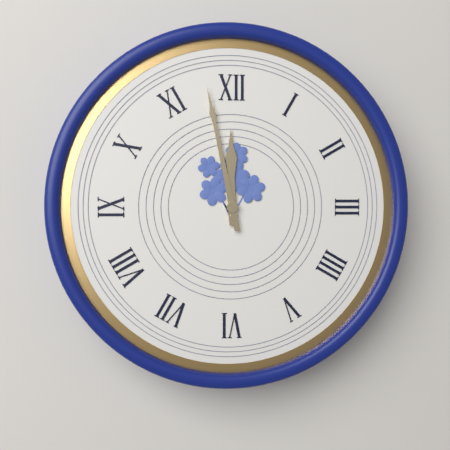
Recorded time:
{"hour": 11, "minute": 58}
